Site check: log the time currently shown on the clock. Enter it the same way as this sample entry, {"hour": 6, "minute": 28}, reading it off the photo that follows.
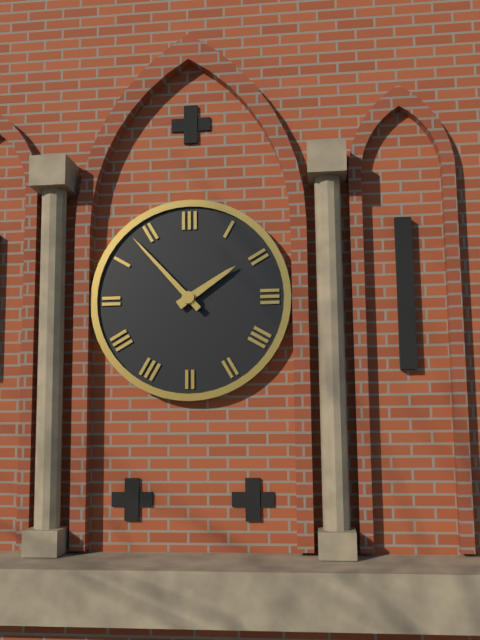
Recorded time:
{"hour": 1, "minute": 53}
